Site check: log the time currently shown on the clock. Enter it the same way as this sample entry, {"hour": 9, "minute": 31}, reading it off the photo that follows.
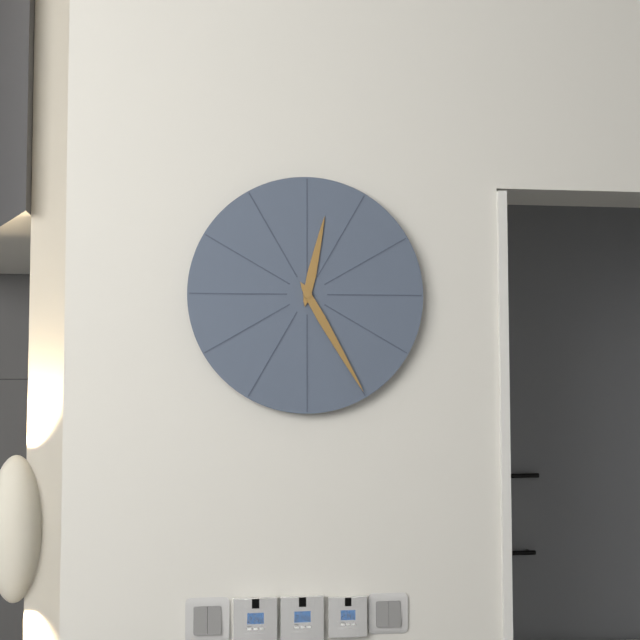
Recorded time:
{"hour": 12, "minute": 25}
